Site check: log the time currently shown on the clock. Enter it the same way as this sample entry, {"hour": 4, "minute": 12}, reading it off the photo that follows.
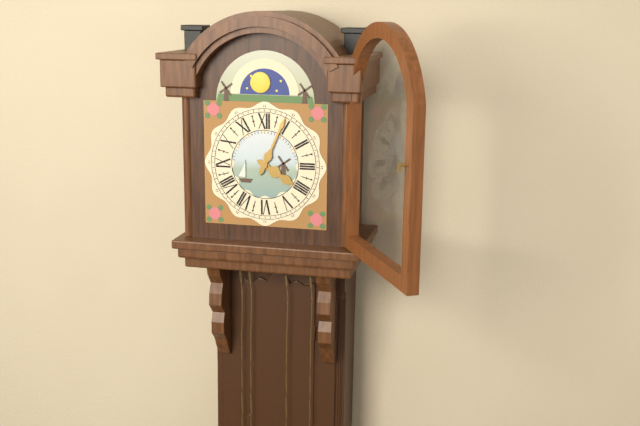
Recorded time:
{"hour": 4, "minute": 4}
